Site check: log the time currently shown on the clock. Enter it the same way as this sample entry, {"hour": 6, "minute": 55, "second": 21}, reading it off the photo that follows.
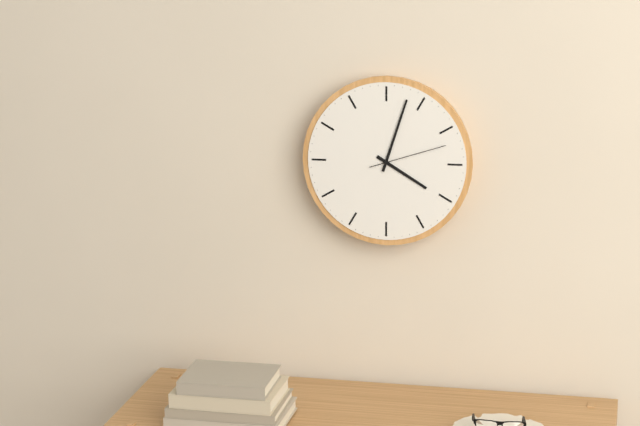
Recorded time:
{"hour": 4, "minute": 3, "second": 12}
